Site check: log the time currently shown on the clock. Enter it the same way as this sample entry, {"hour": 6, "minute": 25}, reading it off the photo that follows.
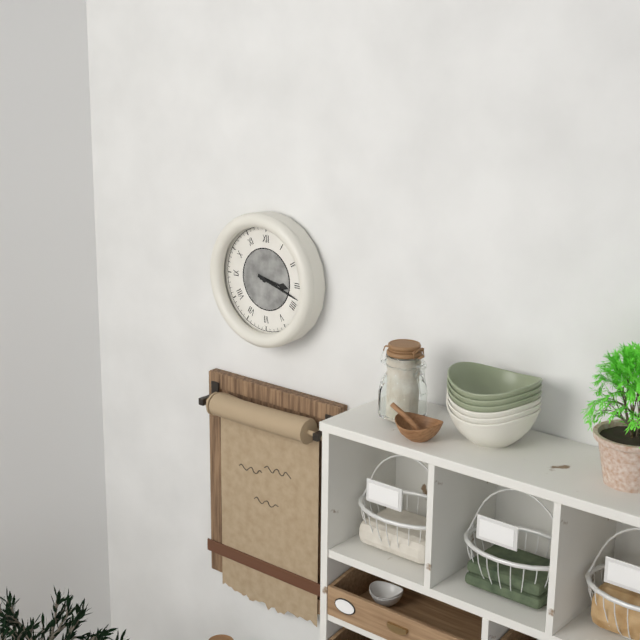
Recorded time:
{"hour": 3, "minute": 18}
